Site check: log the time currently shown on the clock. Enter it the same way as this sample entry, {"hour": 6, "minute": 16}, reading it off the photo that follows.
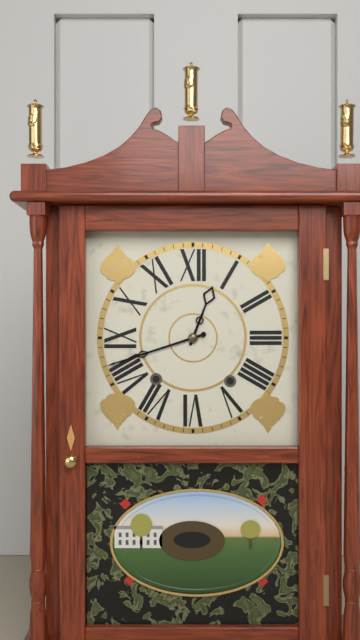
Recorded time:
{"hour": 12, "minute": 42}
